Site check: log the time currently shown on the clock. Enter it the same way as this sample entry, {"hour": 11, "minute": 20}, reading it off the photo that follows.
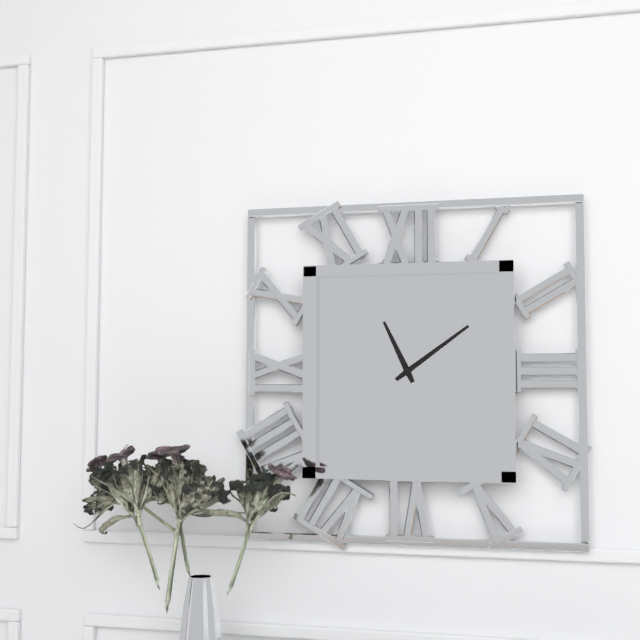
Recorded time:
{"hour": 11, "minute": 9}
